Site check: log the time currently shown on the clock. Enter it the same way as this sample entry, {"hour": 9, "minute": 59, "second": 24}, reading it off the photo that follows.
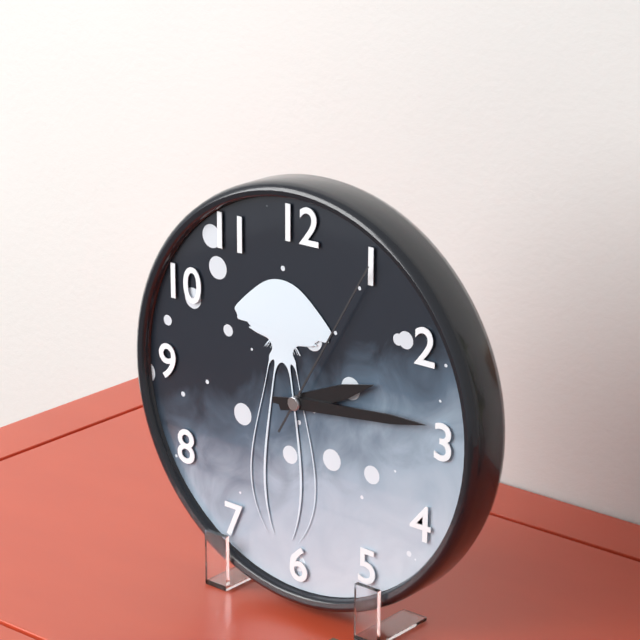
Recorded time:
{"hour": 2, "minute": 14, "second": 5}
